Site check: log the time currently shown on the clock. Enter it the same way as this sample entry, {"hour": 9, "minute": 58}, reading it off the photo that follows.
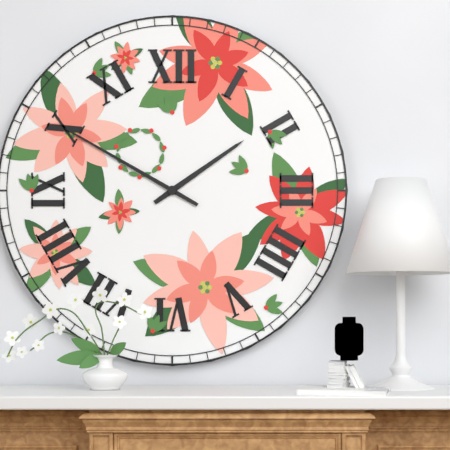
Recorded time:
{"hour": 1, "minute": 50}
